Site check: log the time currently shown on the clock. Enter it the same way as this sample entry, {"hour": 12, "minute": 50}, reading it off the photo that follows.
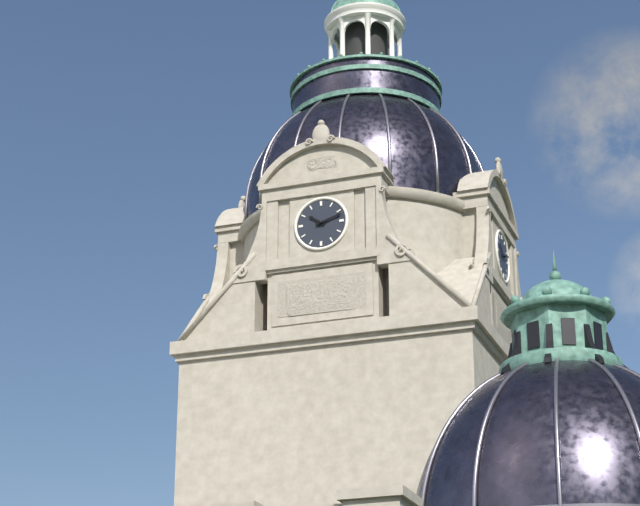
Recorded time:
{"hour": 10, "minute": 12}
